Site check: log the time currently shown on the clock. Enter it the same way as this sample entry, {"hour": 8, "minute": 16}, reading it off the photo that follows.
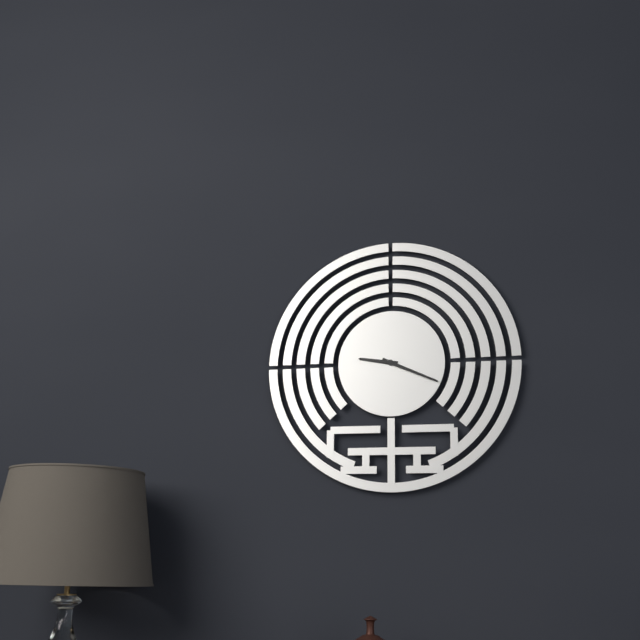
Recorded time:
{"hour": 9, "minute": 19}
